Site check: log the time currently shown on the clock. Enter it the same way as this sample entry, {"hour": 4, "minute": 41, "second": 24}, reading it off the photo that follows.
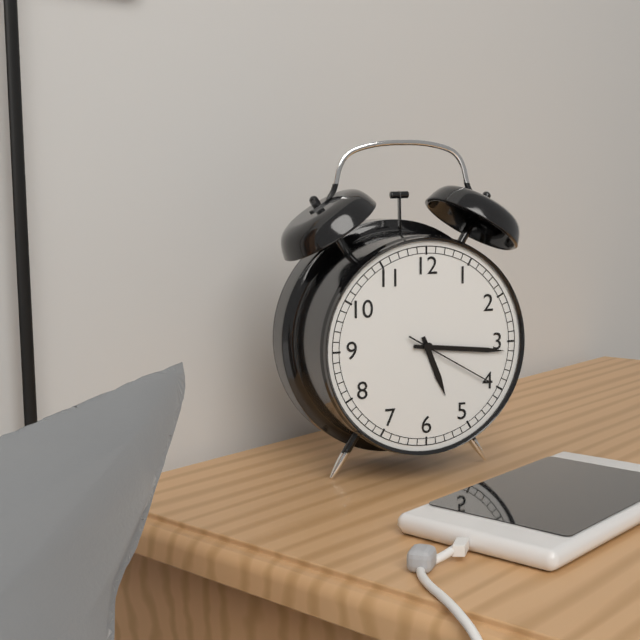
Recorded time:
{"hour": 5, "minute": 16, "second": 20}
